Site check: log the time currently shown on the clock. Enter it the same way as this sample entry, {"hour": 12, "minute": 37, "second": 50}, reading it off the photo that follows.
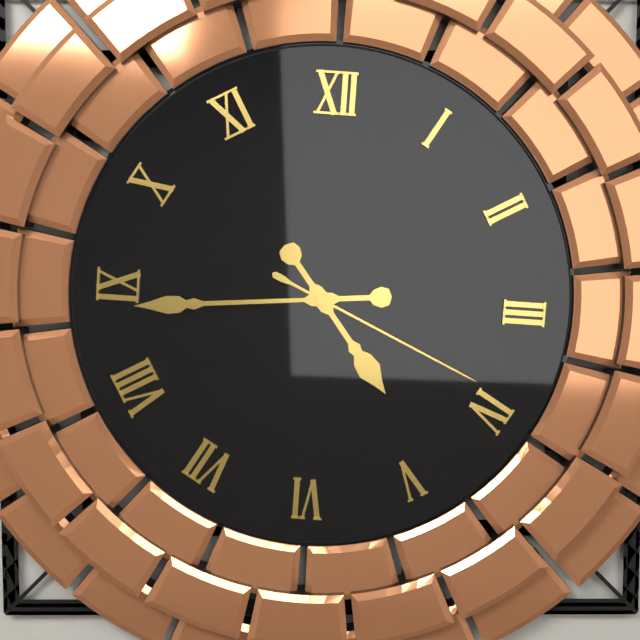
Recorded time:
{"hour": 4, "minute": 44, "second": 19}
